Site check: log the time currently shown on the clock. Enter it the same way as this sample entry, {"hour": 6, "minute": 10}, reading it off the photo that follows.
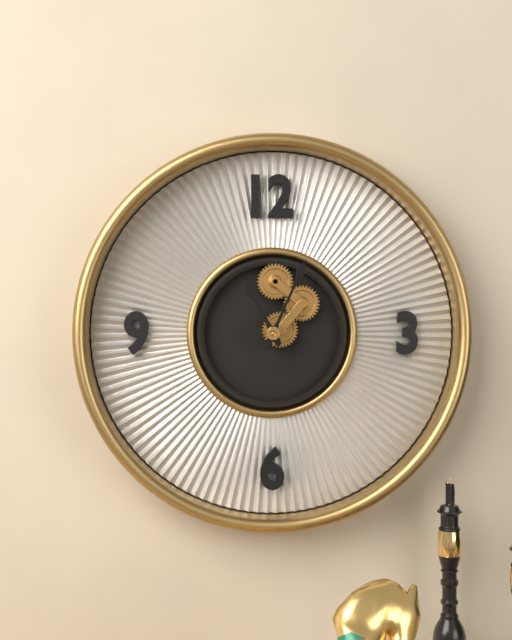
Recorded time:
{"hour": 11, "minute": 4}
